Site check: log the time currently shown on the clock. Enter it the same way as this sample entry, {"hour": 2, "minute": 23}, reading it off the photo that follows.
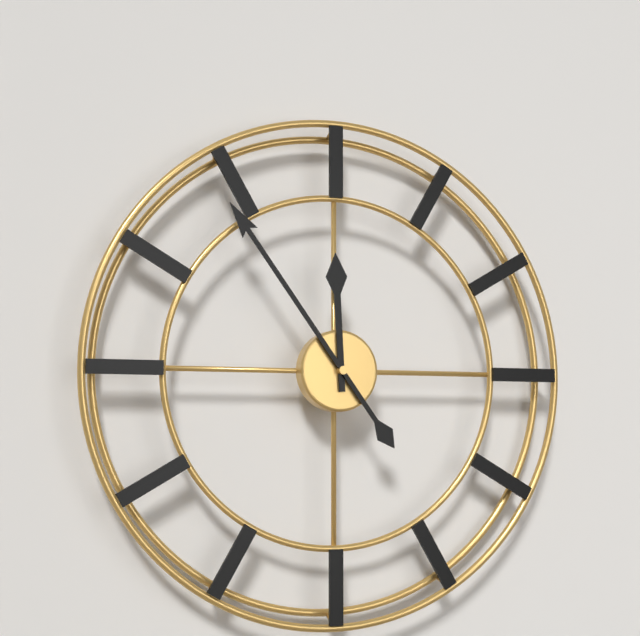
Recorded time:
{"hour": 11, "minute": 54}
